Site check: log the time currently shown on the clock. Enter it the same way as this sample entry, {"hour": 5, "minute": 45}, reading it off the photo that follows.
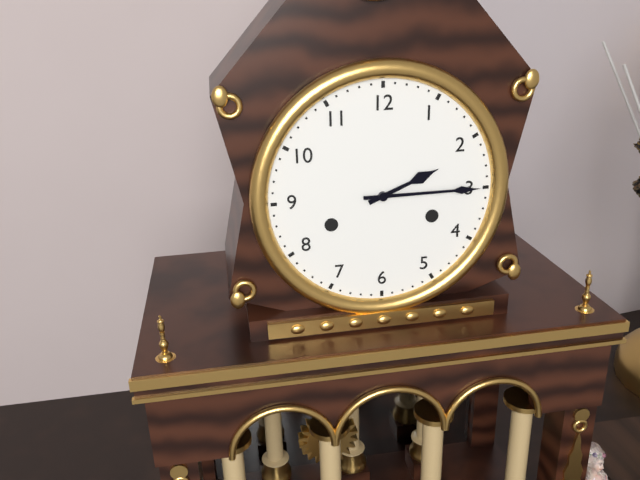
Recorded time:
{"hour": 2, "minute": 15}
